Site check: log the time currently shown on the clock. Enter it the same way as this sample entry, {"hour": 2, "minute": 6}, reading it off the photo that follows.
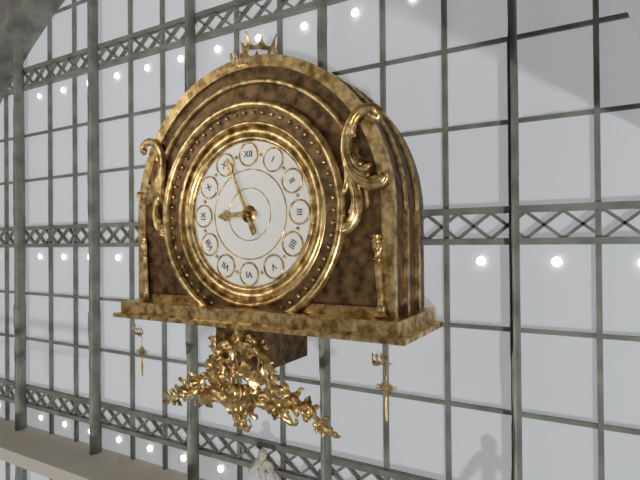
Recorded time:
{"hour": 8, "minute": 56}
